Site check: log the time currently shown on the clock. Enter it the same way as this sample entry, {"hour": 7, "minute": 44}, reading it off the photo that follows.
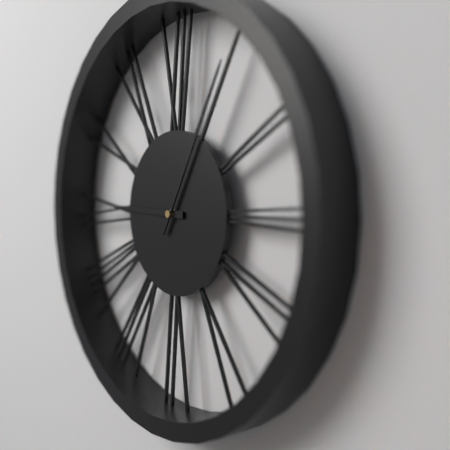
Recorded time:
{"hour": 9, "minute": 5}
